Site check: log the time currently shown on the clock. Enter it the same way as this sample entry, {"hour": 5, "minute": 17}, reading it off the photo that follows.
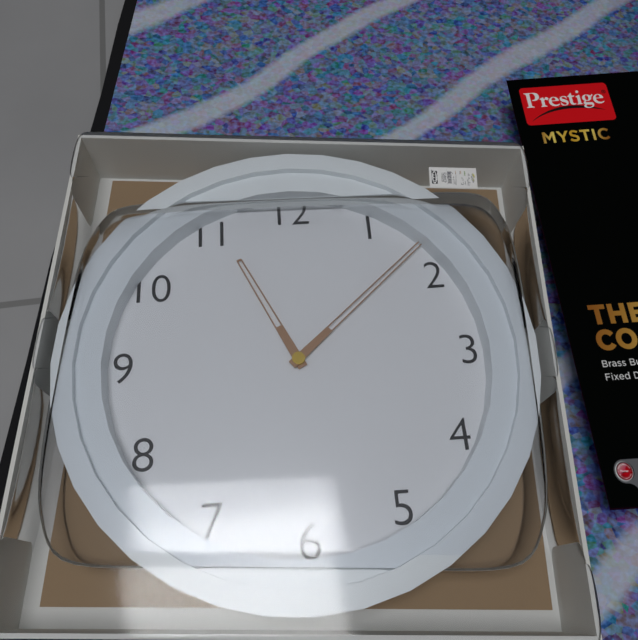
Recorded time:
{"hour": 11, "minute": 8}
